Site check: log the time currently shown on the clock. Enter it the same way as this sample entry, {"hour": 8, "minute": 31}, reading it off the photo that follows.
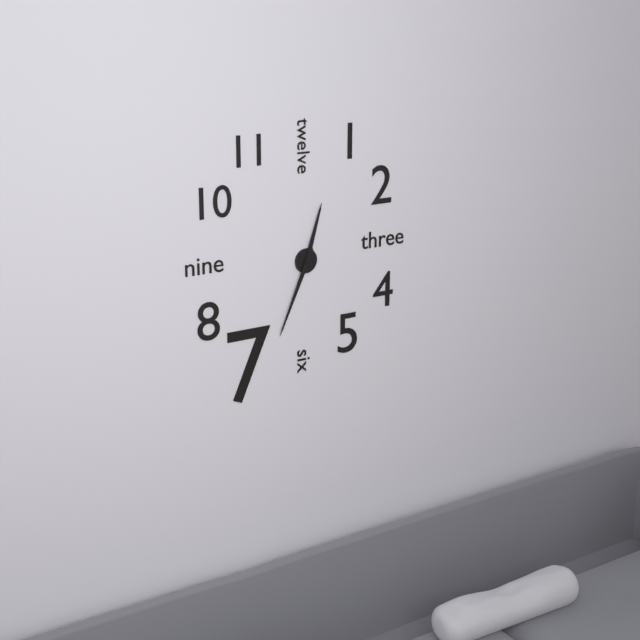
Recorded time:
{"hour": 12, "minute": 34}
